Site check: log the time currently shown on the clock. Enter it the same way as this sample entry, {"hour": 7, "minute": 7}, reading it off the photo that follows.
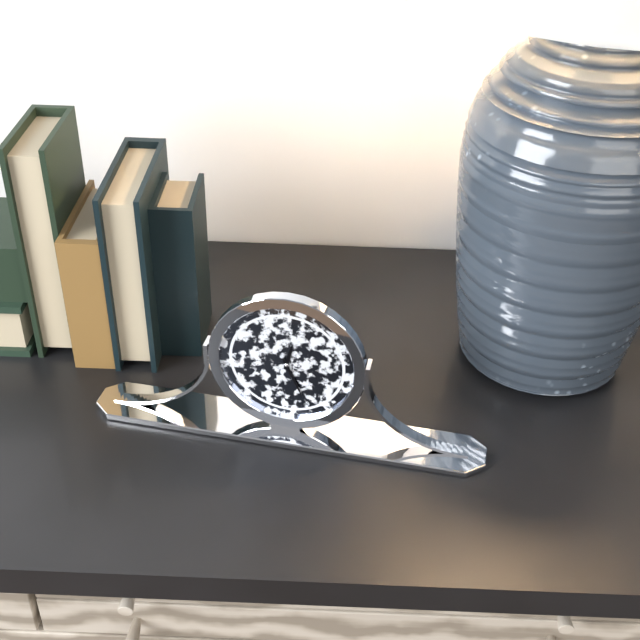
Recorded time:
{"hour": 12, "minute": 26}
